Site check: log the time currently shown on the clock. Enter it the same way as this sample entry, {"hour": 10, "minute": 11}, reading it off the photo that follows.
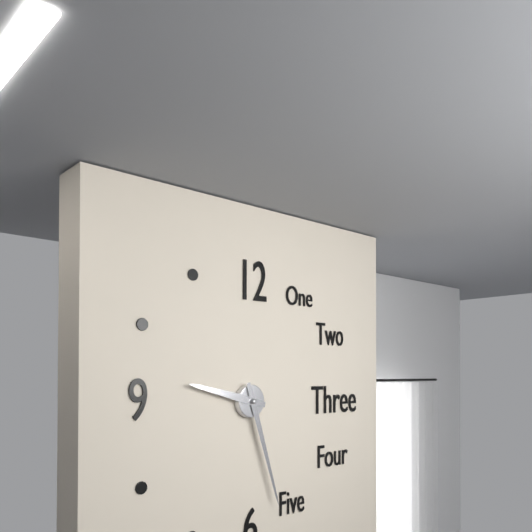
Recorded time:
{"hour": 9, "minute": 27}
